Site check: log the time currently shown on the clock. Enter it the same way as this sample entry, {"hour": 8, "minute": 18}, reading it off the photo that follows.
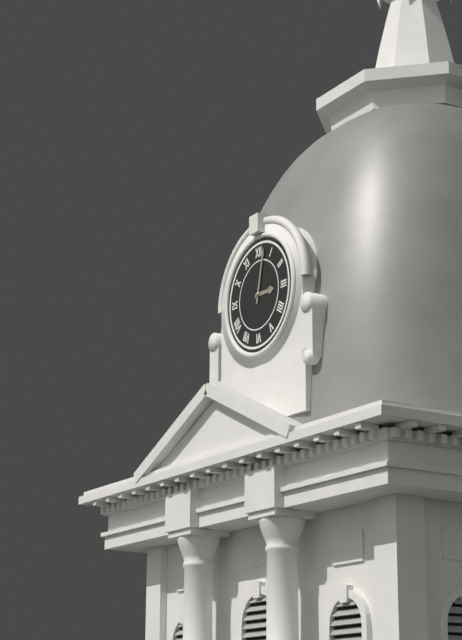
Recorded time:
{"hour": 3, "minute": 2}
